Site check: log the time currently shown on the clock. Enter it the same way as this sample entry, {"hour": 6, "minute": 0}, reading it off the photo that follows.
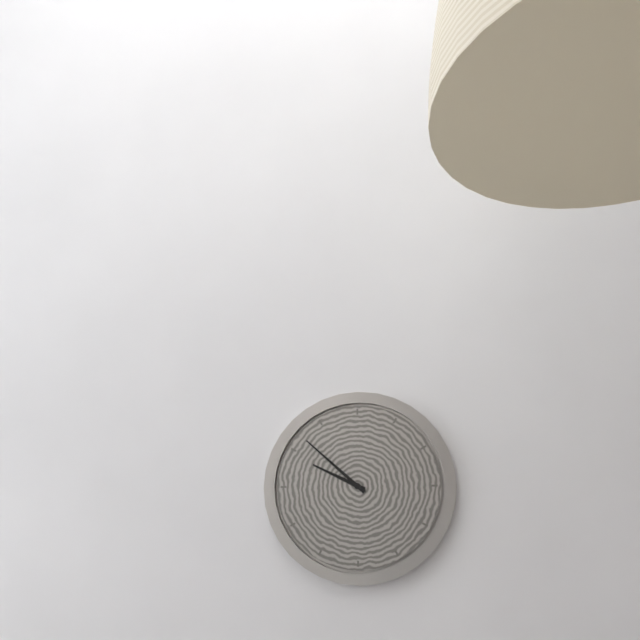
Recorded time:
{"hour": 9, "minute": 52}
